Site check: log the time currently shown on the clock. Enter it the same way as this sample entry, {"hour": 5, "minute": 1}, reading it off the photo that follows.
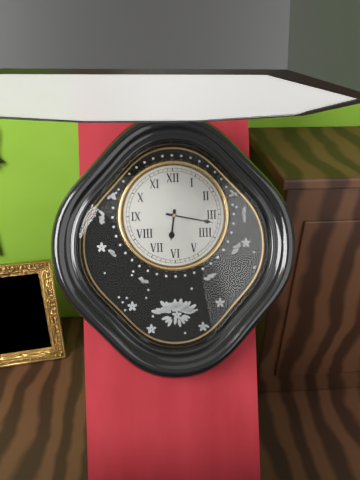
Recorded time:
{"hour": 6, "minute": 17}
